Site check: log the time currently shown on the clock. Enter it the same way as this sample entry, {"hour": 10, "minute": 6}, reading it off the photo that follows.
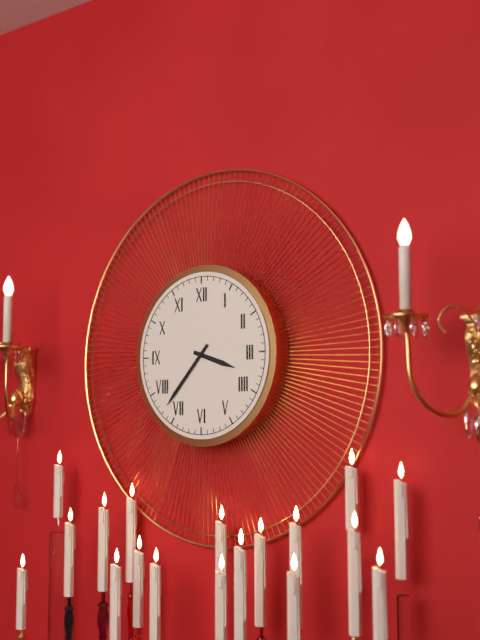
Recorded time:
{"hour": 3, "minute": 37}
